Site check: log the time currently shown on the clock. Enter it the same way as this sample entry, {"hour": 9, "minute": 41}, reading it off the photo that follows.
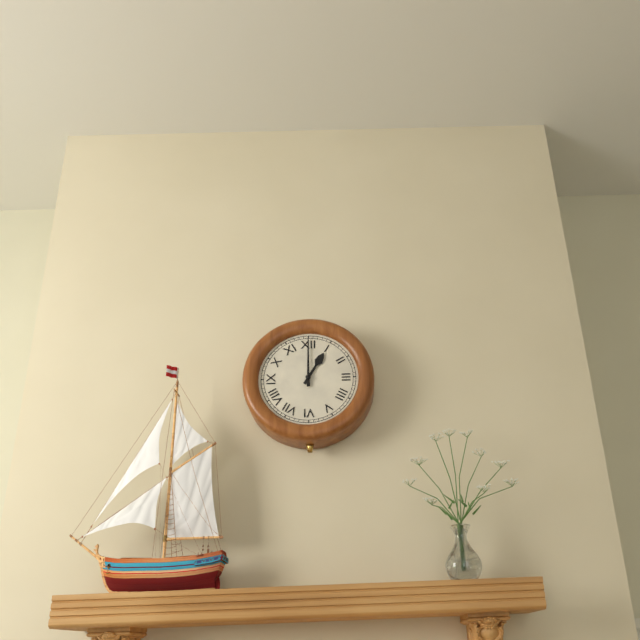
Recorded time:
{"hour": 1, "minute": 0}
